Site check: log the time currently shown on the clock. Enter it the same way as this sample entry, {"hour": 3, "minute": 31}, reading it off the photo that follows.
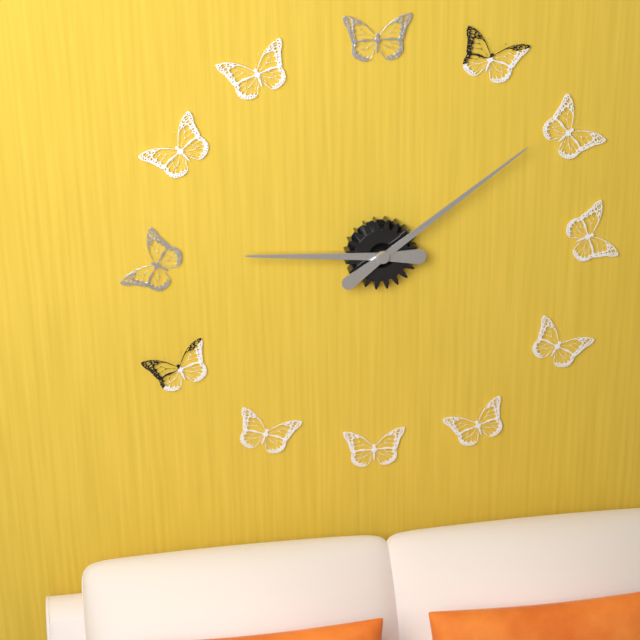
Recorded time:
{"hour": 9, "minute": 9}
